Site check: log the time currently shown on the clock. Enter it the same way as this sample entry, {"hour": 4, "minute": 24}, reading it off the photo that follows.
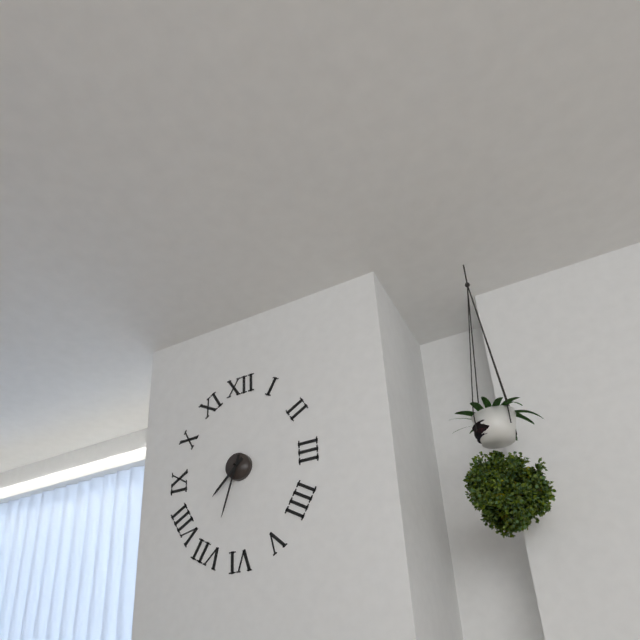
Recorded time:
{"hour": 7, "minute": 33}
